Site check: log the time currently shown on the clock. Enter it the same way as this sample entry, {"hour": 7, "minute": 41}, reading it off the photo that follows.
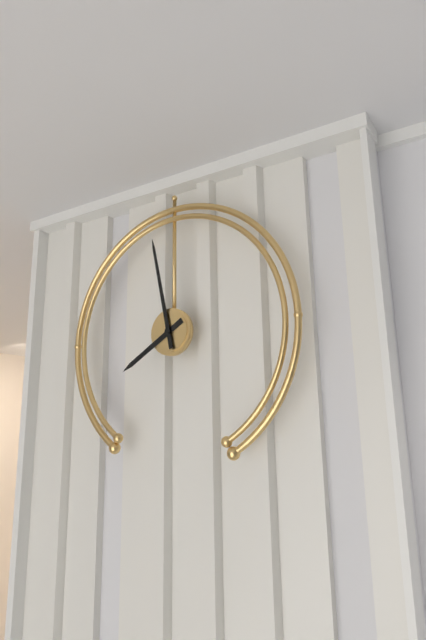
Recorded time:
{"hour": 7, "minute": 58}
